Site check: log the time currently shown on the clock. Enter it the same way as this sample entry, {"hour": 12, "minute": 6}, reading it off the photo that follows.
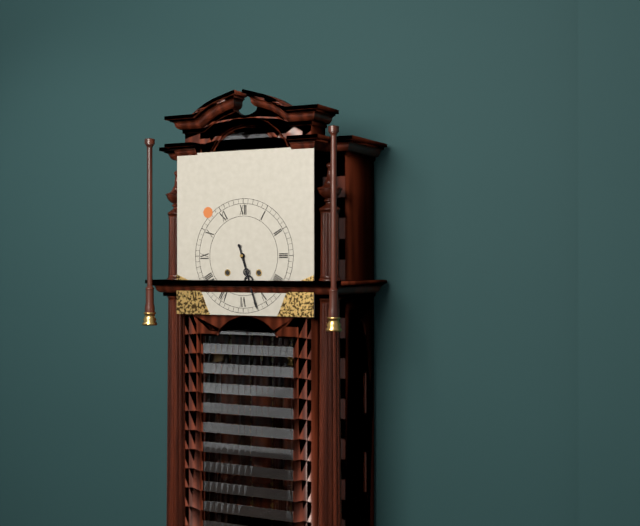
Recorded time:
{"hour": 5, "minute": 27}
